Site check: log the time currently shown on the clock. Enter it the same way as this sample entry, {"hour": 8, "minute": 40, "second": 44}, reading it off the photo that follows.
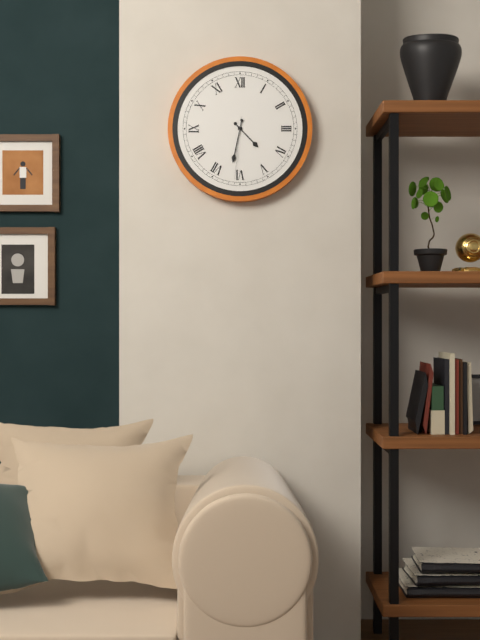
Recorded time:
{"hour": 4, "minute": 32, "second": 31}
